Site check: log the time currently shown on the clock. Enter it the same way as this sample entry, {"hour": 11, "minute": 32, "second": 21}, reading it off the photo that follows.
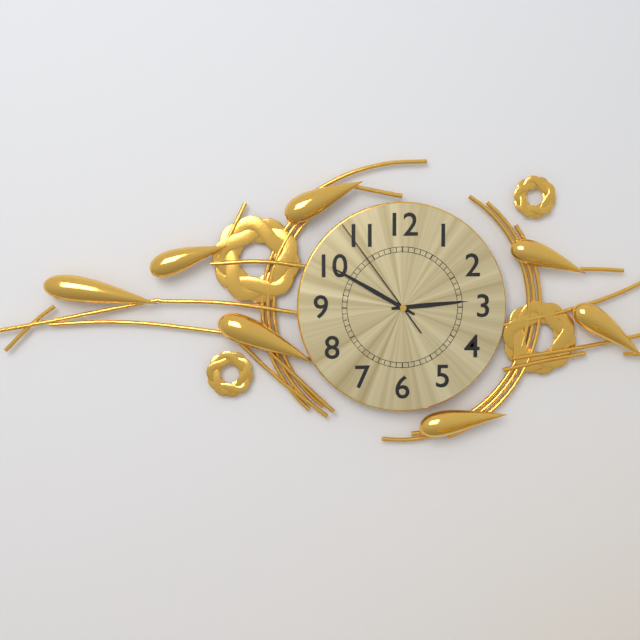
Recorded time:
{"hour": 2, "minute": 50, "second": 54}
